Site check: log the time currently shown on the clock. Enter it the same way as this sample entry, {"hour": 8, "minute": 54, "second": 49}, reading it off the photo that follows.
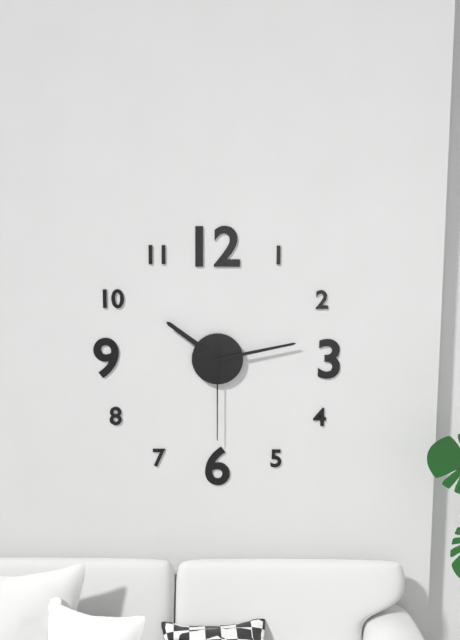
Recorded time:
{"hour": 10, "minute": 13, "second": 30}
